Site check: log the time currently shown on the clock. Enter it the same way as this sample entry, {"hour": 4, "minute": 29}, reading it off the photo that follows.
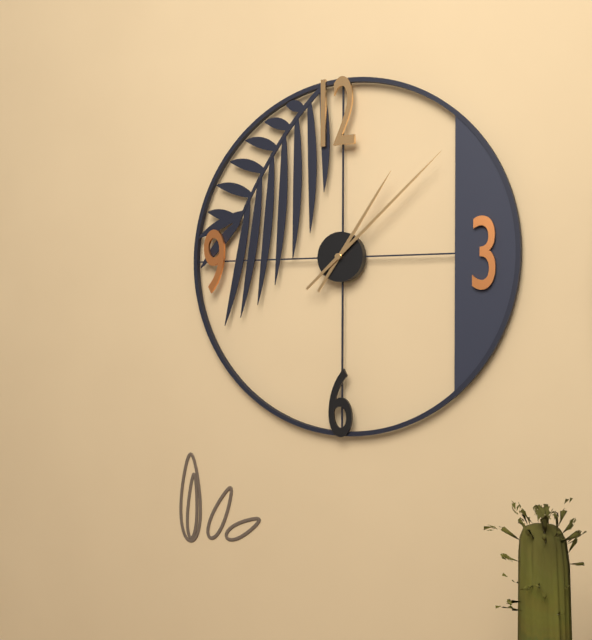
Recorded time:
{"hour": 1, "minute": 8}
